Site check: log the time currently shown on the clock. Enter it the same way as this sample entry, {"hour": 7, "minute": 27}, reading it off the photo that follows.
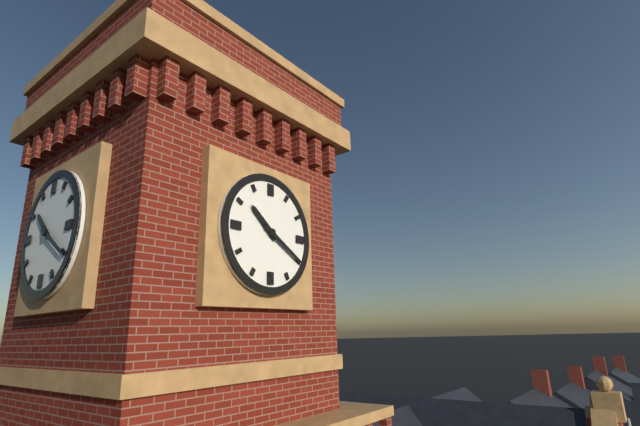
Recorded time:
{"hour": 10, "minute": 20}
